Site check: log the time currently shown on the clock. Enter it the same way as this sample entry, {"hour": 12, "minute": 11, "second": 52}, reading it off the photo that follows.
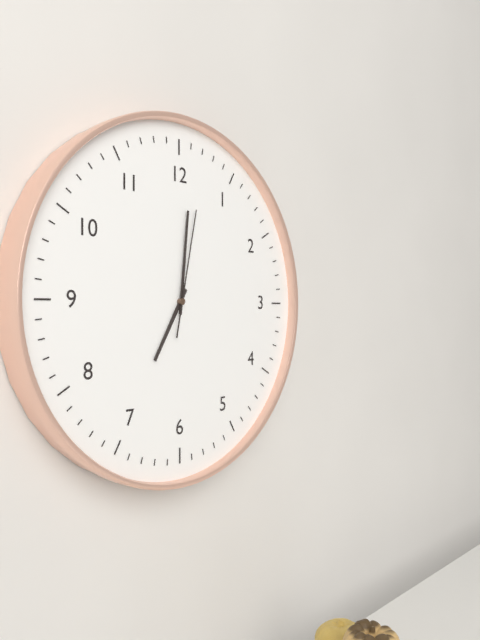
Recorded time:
{"hour": 7, "minute": 1, "second": 2}
